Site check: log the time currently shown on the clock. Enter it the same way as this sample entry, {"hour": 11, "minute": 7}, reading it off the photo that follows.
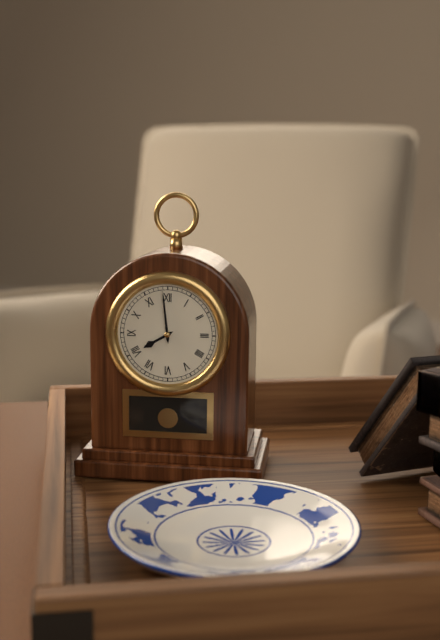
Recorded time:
{"hour": 7, "minute": 59}
